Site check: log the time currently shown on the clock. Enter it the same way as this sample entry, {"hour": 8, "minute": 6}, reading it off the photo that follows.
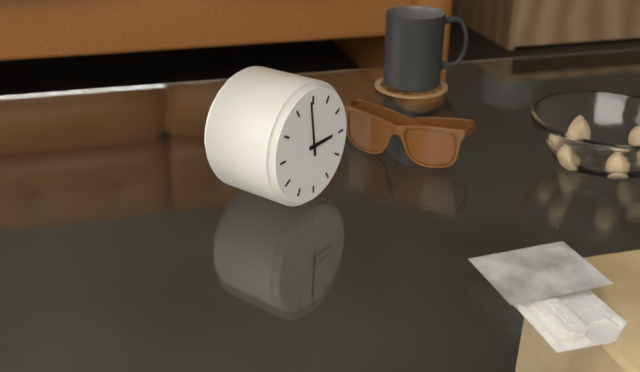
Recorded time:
{"hour": 2, "minute": 59}
